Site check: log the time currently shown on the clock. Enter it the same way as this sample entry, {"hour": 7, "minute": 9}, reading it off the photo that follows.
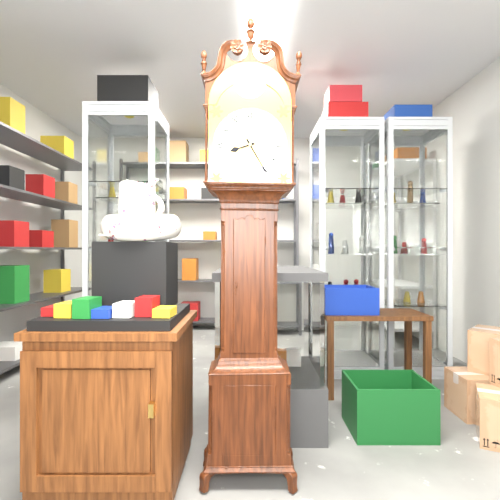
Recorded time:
{"hour": 8, "minute": 25}
